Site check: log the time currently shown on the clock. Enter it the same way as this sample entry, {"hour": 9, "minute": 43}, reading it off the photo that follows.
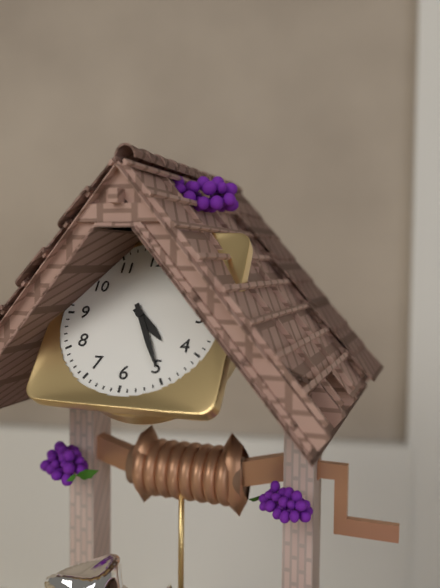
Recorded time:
{"hour": 4, "minute": 25}
